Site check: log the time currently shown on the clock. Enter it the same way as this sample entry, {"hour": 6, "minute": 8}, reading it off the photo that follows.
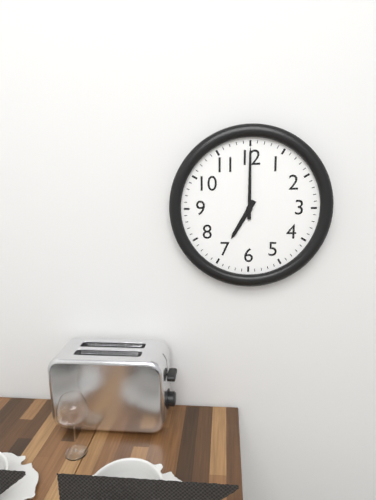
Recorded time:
{"hour": 7, "minute": 0}
